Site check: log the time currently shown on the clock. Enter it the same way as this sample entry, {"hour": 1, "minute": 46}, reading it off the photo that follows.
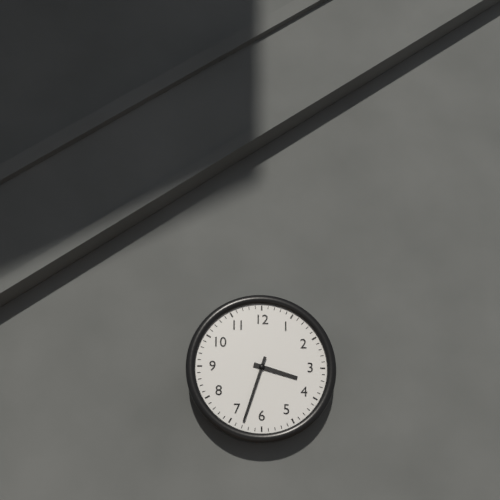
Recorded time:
{"hour": 3, "minute": 33}
